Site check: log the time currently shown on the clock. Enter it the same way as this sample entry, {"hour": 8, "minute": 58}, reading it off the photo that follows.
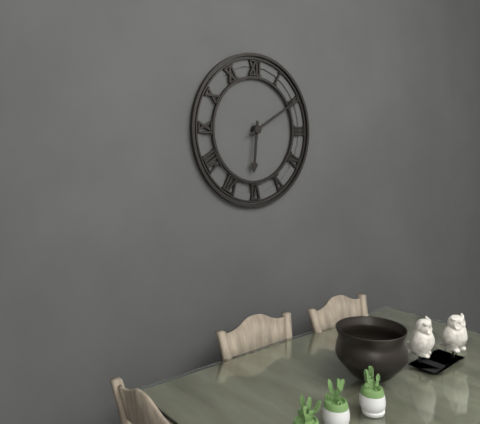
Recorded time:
{"hour": 6, "minute": 10}
